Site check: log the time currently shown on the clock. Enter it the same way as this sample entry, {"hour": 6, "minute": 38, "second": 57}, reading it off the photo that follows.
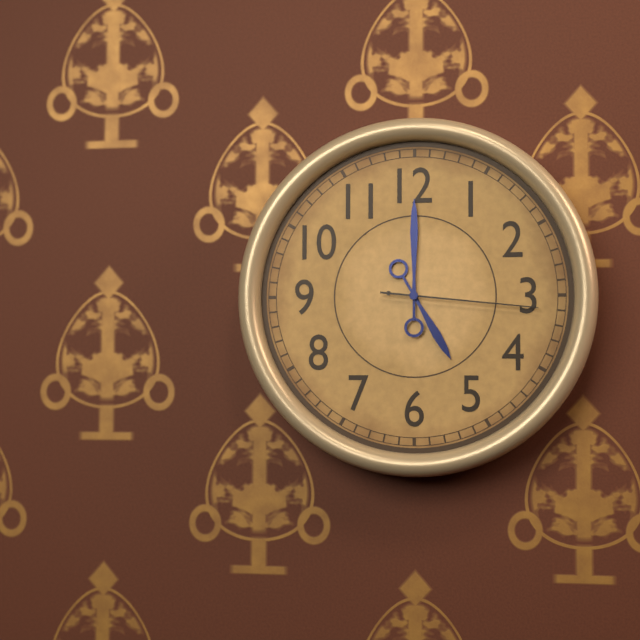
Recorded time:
{"hour": 5, "minute": 0, "second": 16}
